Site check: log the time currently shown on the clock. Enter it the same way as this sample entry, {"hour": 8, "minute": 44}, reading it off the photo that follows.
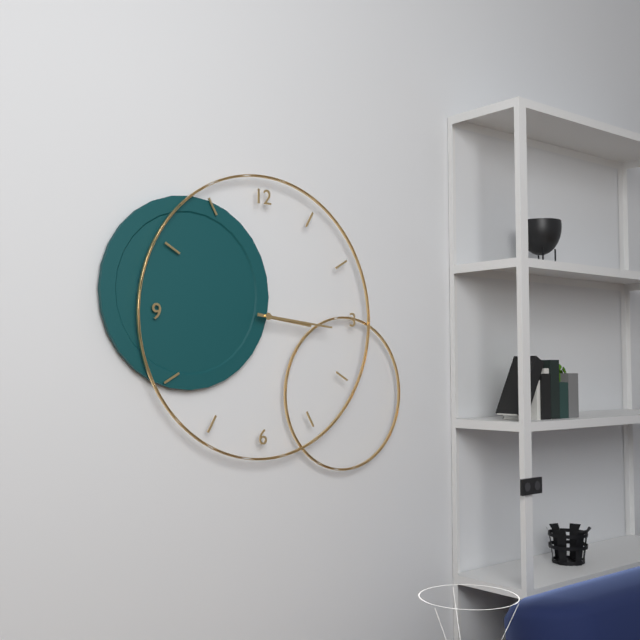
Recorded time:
{"hour": 3, "minute": 16}
